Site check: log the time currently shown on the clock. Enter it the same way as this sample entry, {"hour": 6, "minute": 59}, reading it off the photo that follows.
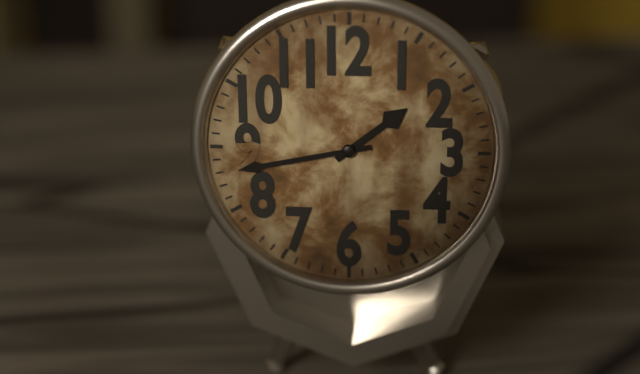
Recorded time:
{"hour": 1, "minute": 43}
